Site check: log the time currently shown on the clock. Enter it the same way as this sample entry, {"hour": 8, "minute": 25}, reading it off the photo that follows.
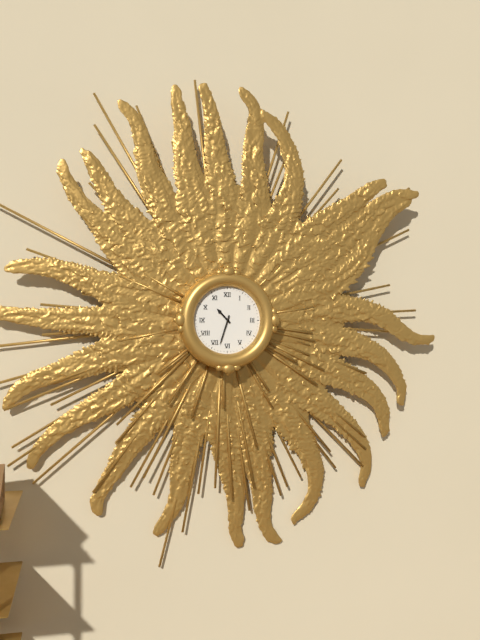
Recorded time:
{"hour": 10, "minute": 33}
